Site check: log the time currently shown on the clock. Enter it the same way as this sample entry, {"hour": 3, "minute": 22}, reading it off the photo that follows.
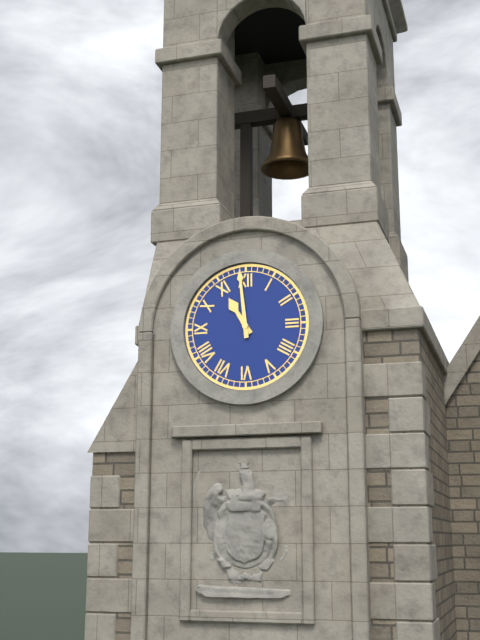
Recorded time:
{"hour": 10, "minute": 59}
